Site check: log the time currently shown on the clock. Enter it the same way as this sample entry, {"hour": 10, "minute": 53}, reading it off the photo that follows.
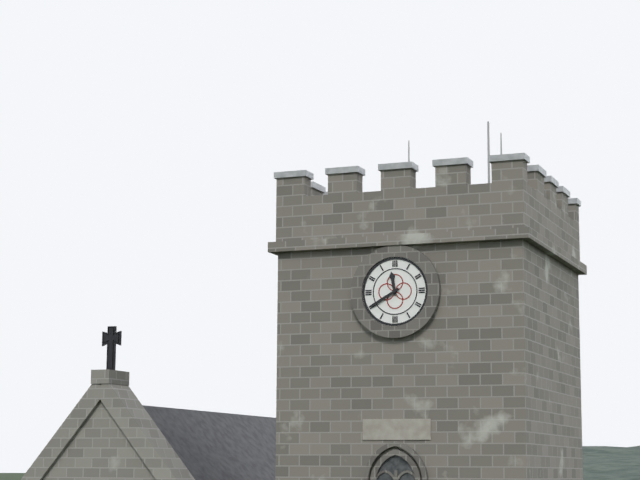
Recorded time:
{"hour": 11, "minute": 40}
